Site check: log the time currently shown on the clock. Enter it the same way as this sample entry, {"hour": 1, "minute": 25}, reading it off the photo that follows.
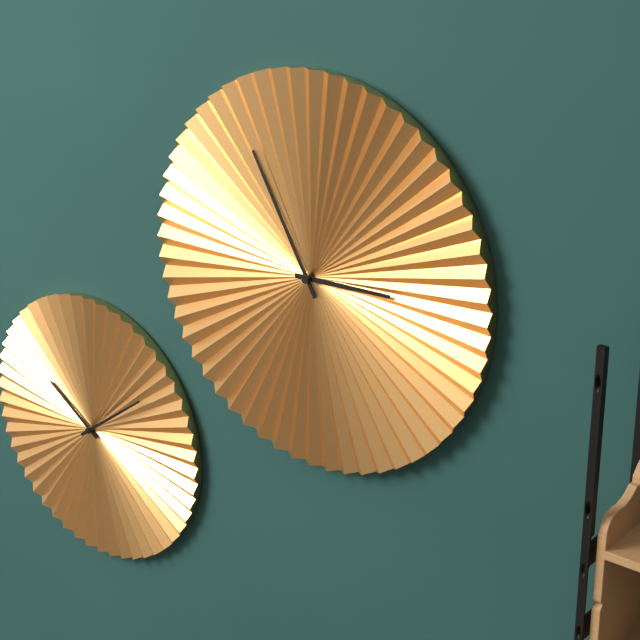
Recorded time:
{"hour": 2, "minute": 55}
